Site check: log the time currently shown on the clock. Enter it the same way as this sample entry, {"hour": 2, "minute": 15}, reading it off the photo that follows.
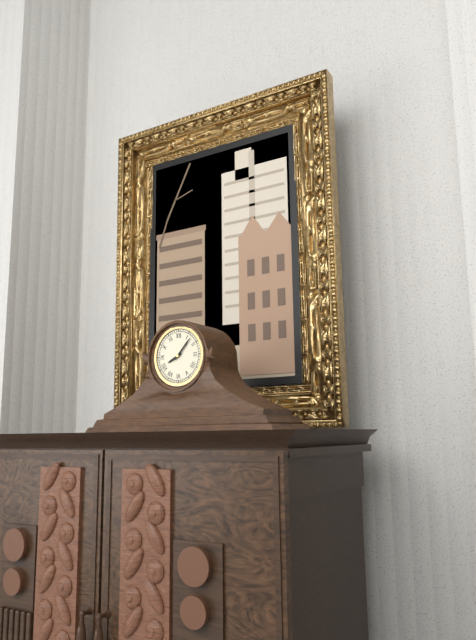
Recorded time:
{"hour": 8, "minute": 7}
